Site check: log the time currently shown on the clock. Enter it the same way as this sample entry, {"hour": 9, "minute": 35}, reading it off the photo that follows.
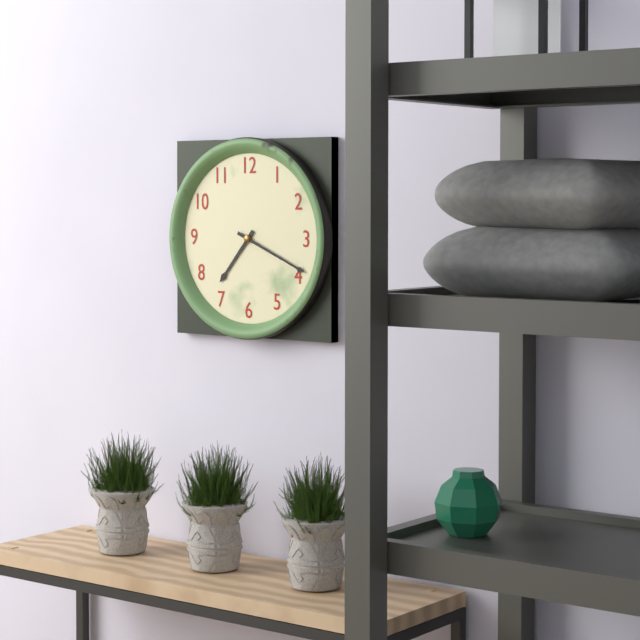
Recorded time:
{"hour": 7, "minute": 19}
